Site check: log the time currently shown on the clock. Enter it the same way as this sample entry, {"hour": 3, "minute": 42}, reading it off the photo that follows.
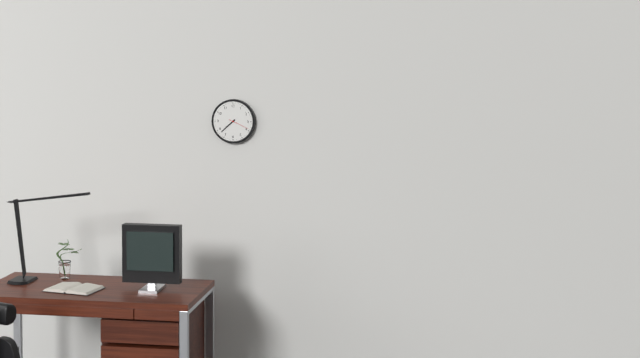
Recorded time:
{"hour": 7, "minute": 38}
